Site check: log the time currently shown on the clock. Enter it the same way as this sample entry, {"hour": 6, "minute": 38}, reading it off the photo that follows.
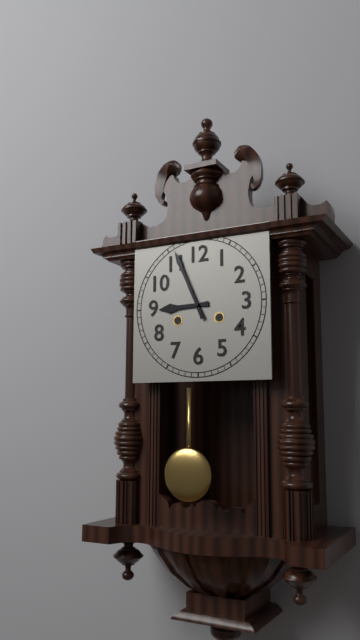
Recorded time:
{"hour": 8, "minute": 56}
